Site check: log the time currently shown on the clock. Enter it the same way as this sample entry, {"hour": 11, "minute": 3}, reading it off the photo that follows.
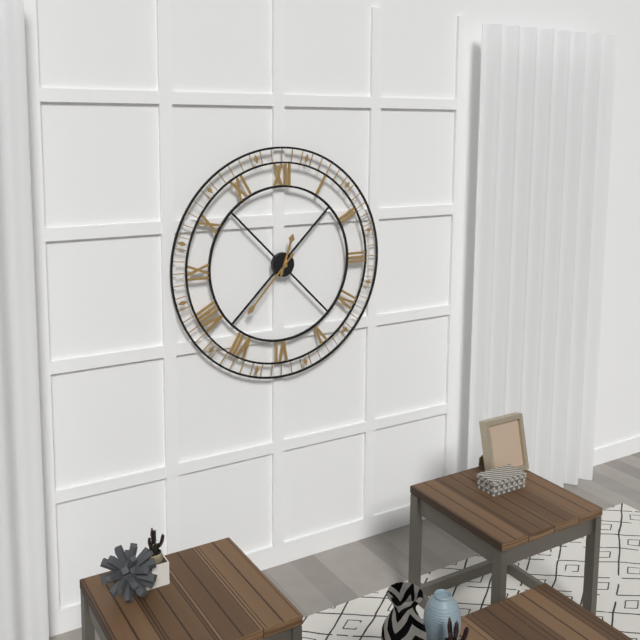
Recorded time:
{"hour": 12, "minute": 37}
